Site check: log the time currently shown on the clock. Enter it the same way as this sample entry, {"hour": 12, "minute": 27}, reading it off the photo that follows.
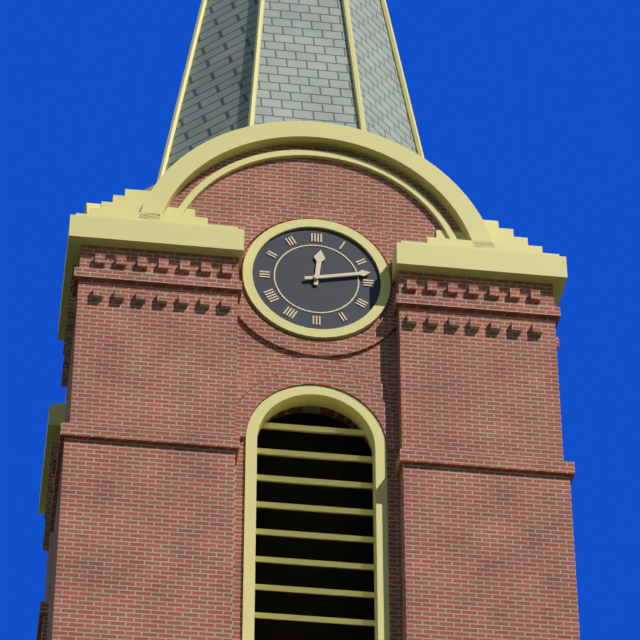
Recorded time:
{"hour": 12, "minute": 13}
